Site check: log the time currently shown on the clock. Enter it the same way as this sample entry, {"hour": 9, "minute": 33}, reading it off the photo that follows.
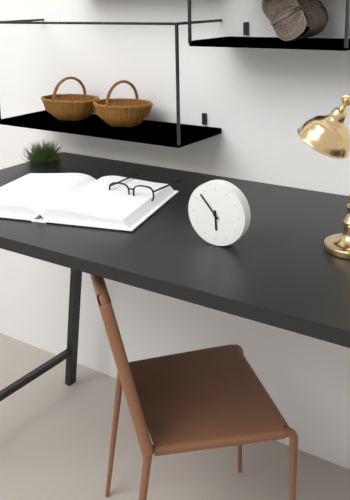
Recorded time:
{"hour": 5, "minute": 53}
